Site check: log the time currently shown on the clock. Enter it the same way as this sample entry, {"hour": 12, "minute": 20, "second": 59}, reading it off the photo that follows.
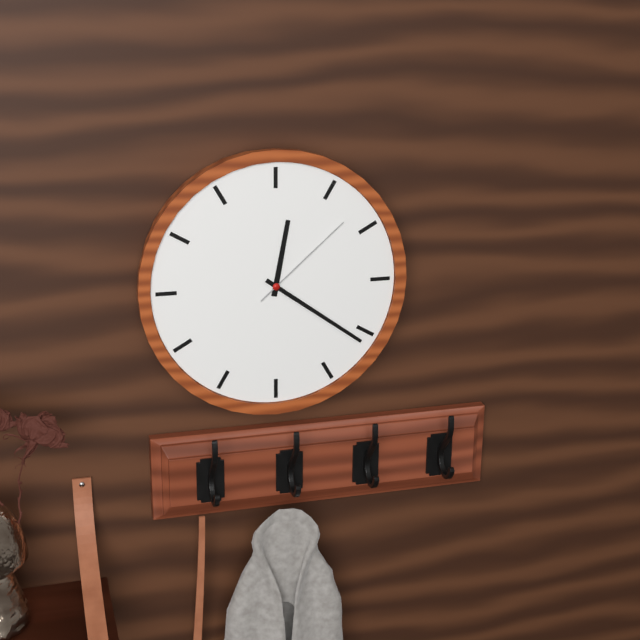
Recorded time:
{"hour": 12, "minute": 21, "second": 8}
